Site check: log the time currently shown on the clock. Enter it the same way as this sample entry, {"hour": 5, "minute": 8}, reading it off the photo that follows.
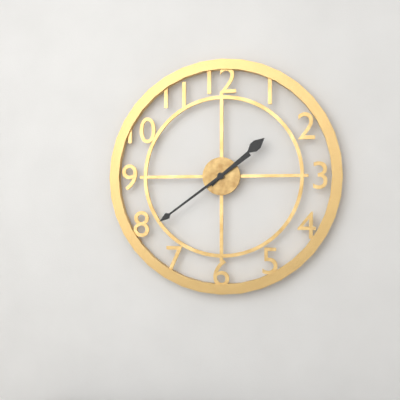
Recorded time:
{"hour": 1, "minute": 39}
